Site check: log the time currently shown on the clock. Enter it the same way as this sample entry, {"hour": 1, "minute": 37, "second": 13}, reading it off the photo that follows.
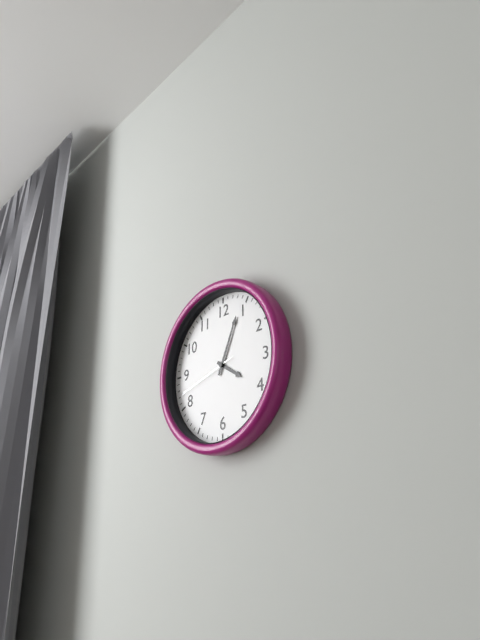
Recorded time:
{"hour": 4, "minute": 4, "second": 42}
